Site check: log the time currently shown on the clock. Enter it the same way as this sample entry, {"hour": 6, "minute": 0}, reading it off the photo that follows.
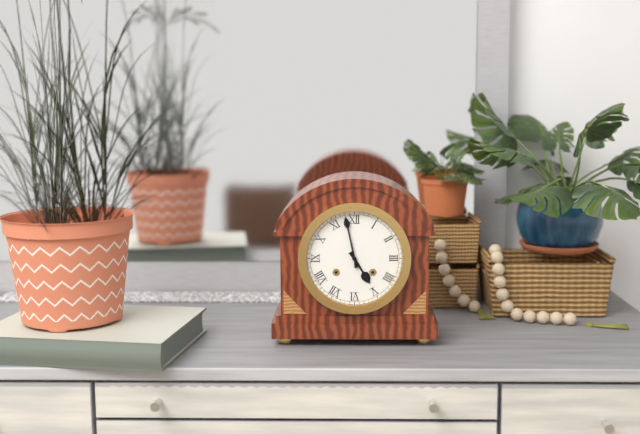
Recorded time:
{"hour": 4, "minute": 58}
